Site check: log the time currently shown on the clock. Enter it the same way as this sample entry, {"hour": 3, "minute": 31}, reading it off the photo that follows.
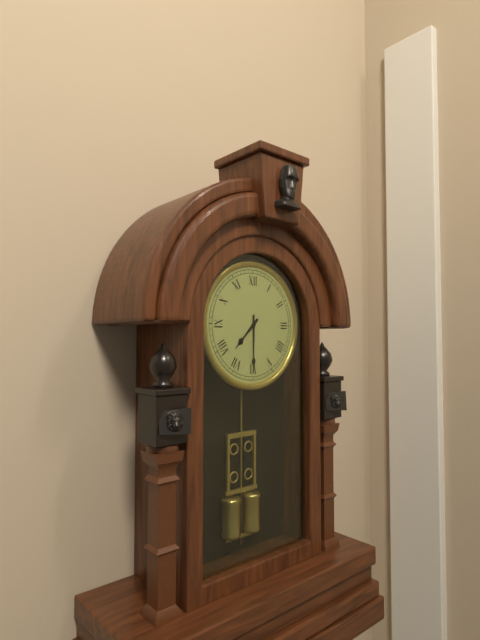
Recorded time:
{"hour": 7, "minute": 30}
